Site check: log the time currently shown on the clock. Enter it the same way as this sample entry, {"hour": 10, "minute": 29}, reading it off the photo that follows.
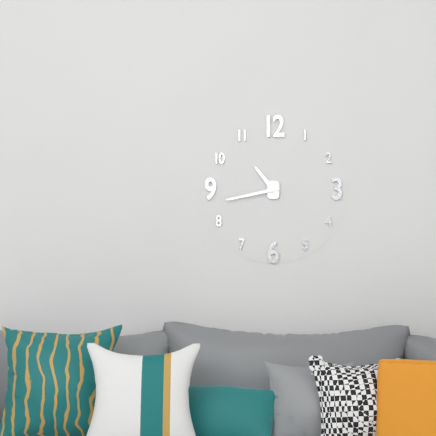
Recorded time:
{"hour": 10, "minute": 43}
